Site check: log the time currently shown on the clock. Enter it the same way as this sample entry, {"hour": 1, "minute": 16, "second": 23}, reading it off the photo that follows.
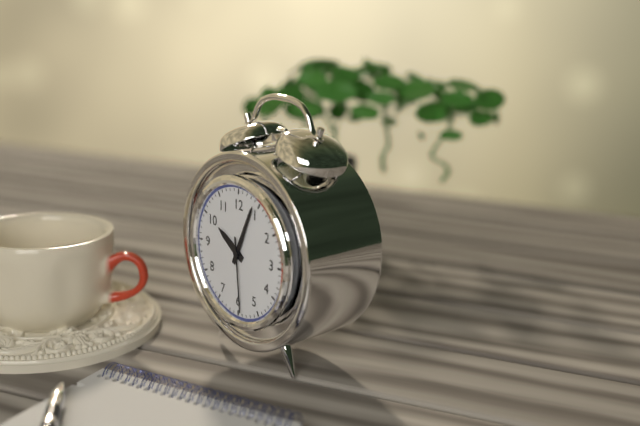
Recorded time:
{"hour": 10, "minute": 4, "second": 29}
